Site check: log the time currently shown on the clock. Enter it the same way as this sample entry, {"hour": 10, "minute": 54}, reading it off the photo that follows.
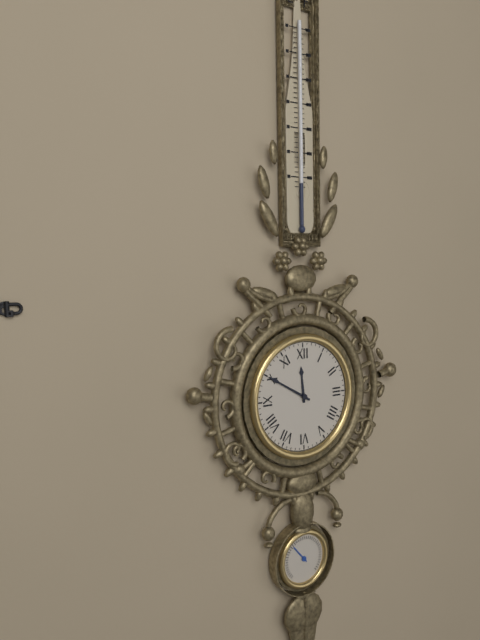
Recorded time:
{"hour": 11, "minute": 50}
